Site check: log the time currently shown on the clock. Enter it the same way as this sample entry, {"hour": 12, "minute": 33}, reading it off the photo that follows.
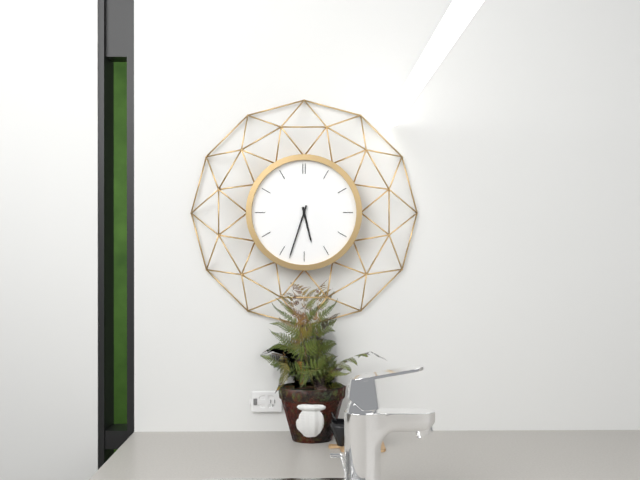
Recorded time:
{"hour": 5, "minute": 33}
